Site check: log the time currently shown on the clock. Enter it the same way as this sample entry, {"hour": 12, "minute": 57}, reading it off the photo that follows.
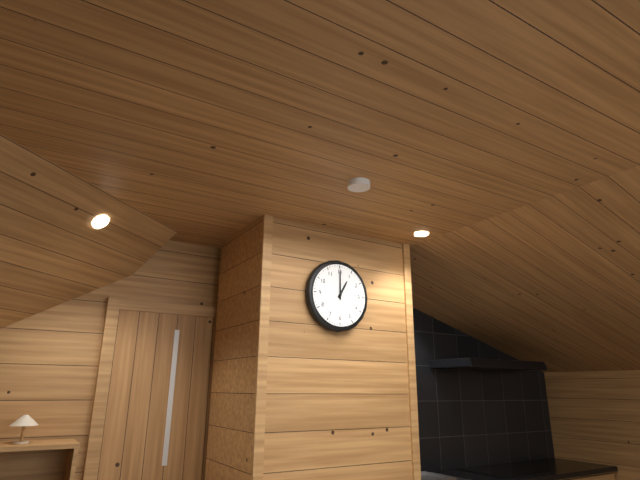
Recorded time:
{"hour": 1, "minute": 0}
